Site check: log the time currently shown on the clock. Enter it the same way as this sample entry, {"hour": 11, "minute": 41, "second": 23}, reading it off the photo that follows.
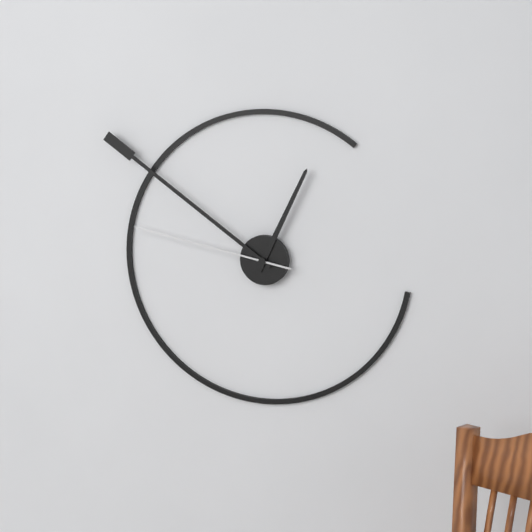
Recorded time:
{"hour": 12, "minute": 51, "second": 47}
